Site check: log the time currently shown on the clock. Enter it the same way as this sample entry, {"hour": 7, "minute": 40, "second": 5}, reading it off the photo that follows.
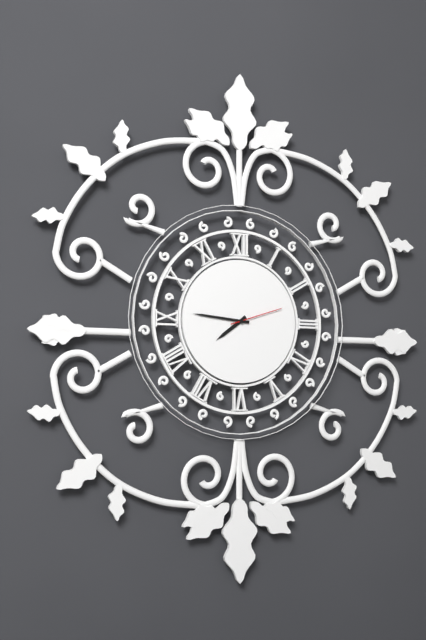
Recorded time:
{"hour": 7, "minute": 46, "second": 12}
